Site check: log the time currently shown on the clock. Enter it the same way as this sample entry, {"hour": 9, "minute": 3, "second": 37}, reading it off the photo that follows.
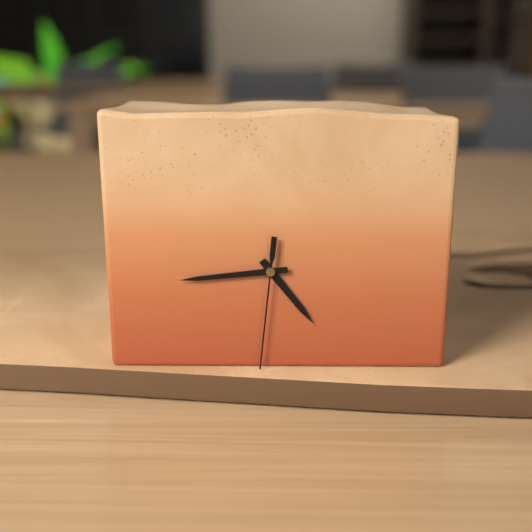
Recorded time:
{"hour": 4, "minute": 44, "second": 31}
